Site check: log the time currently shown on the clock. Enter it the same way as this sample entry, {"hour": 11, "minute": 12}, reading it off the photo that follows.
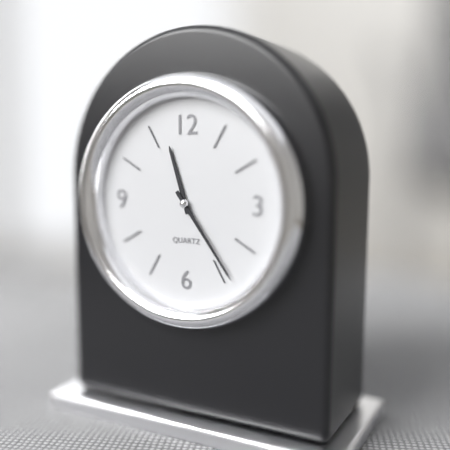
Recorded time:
{"hour": 11, "minute": 24}
